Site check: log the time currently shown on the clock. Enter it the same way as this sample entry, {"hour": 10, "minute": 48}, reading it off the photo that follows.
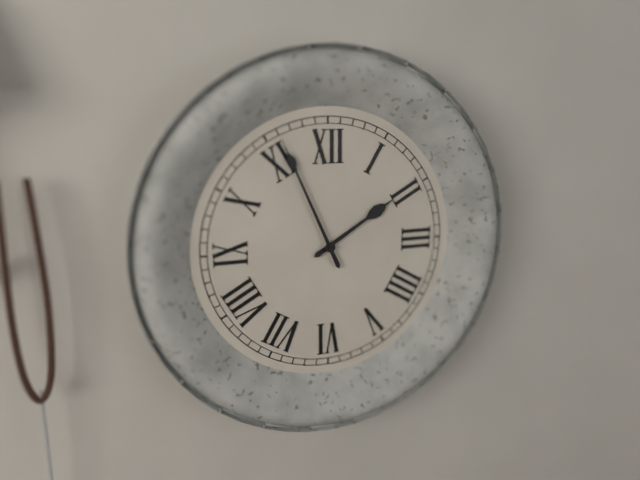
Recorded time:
{"hour": 1, "minute": 56}
